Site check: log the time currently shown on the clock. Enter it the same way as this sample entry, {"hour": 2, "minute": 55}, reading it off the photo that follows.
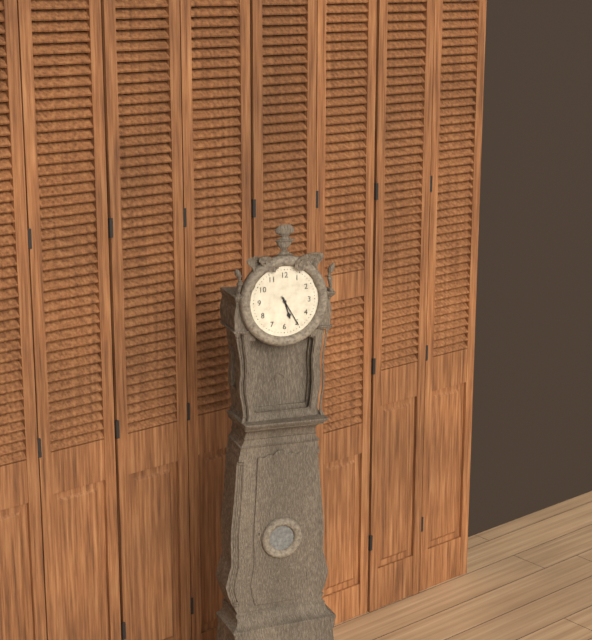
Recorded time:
{"hour": 5, "minute": 25}
